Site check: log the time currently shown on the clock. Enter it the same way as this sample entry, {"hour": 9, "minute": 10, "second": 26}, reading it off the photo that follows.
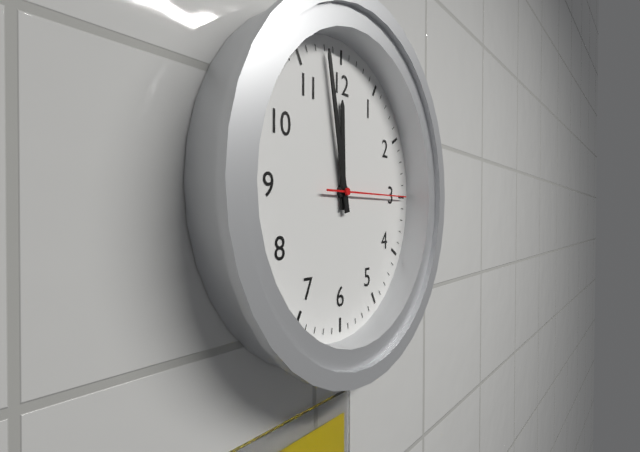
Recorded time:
{"hour": 11, "minute": 58, "second": 15}
